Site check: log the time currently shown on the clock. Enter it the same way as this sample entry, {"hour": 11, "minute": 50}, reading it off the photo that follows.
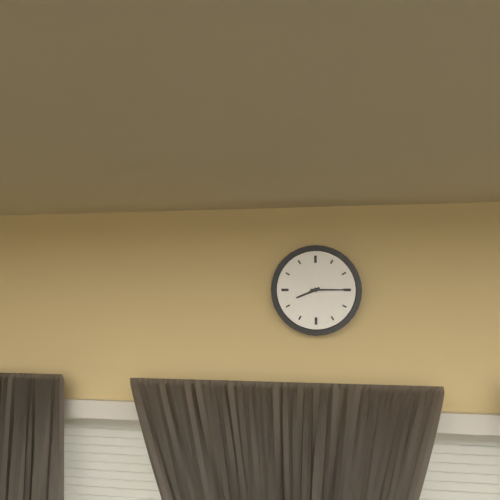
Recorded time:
{"hour": 8, "minute": 15}
